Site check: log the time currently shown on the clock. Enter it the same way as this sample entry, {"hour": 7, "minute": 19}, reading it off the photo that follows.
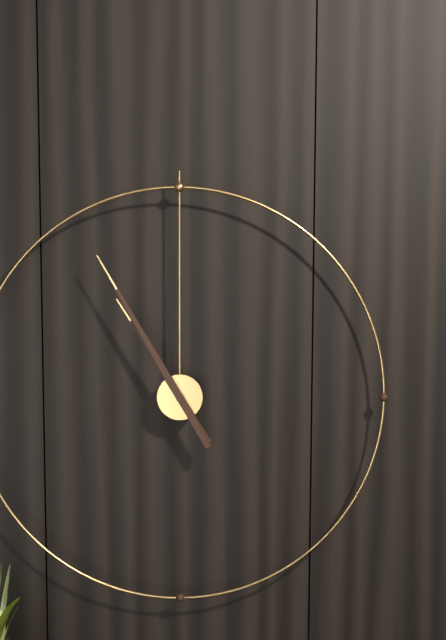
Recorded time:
{"hour": 10, "minute": 55}
